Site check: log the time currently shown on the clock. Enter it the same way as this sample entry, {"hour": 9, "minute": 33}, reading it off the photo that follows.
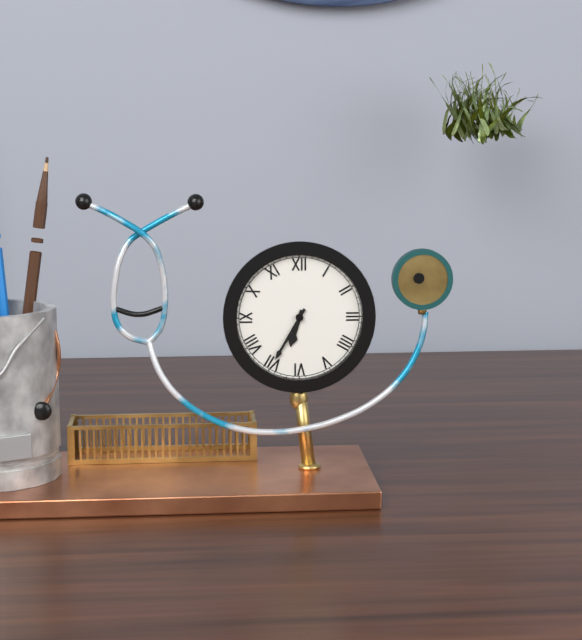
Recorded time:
{"hour": 6, "minute": 35}
